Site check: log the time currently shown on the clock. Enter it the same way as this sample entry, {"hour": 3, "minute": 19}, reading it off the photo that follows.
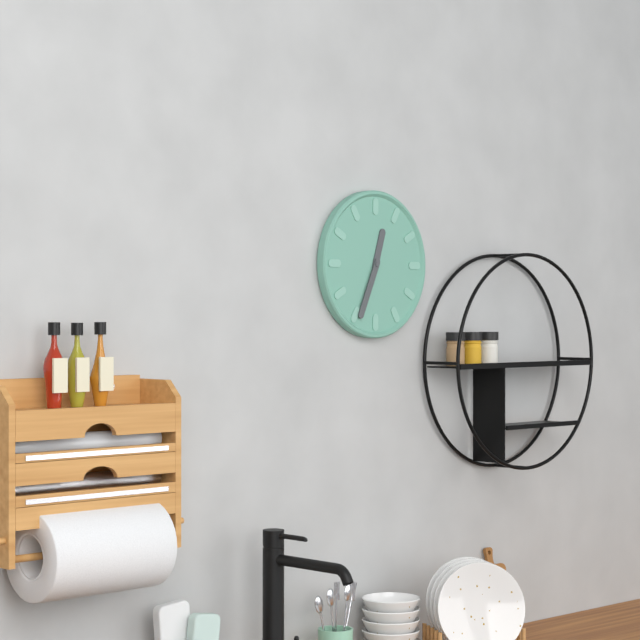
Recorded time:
{"hour": 12, "minute": 34}
